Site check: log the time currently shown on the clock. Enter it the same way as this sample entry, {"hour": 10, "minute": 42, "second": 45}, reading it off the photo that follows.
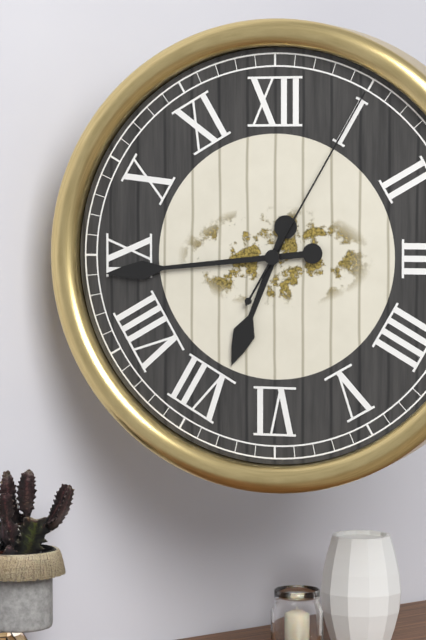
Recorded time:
{"hour": 6, "minute": 44, "second": 5}
